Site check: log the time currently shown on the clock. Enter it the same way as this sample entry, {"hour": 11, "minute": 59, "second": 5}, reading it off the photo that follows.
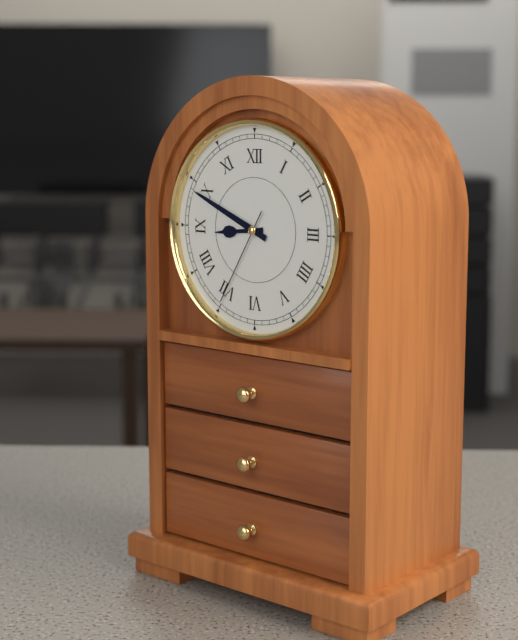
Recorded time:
{"hour": 8, "minute": 49, "second": 35}
